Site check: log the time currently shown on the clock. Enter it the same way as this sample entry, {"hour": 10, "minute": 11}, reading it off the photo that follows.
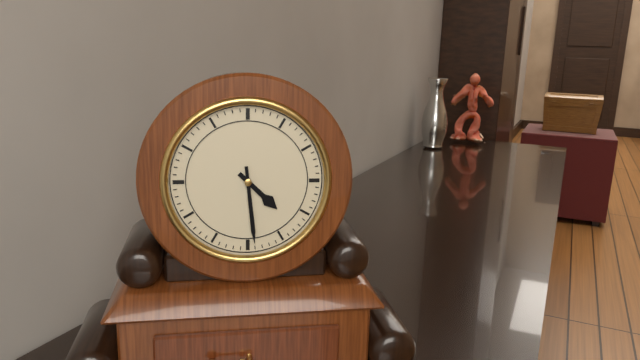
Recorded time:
{"hour": 4, "minute": 29}
